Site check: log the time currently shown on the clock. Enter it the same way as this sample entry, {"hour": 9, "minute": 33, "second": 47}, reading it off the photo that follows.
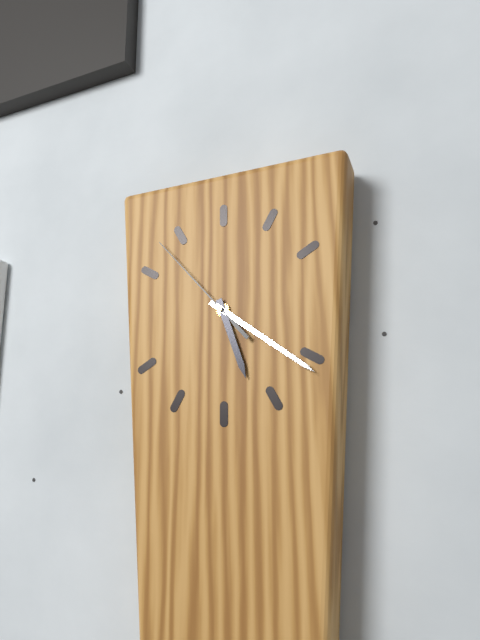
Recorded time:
{"hour": 5, "minute": 21, "second": 53}
